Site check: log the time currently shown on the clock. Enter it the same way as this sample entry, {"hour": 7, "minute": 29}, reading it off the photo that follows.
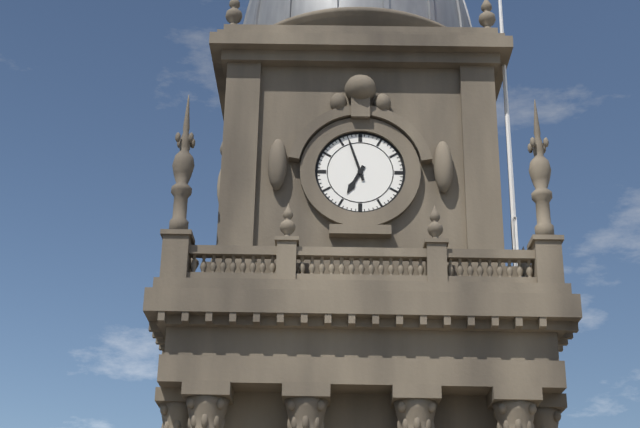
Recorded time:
{"hour": 6, "minute": 57}
